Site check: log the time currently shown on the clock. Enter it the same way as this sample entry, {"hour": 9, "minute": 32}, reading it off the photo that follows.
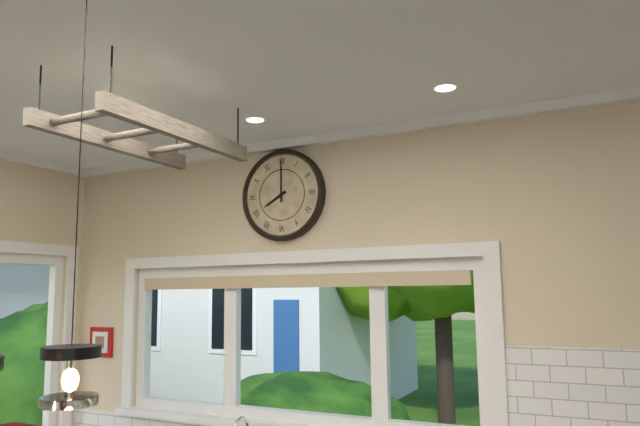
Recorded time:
{"hour": 8, "minute": 0}
